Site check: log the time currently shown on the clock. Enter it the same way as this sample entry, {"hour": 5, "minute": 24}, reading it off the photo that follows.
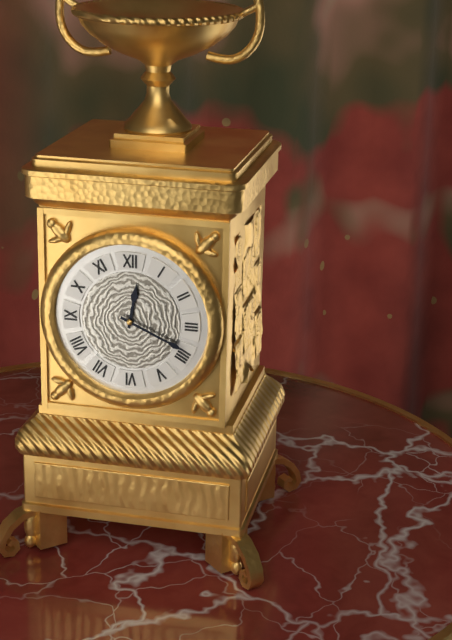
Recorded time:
{"hour": 12, "minute": 19}
